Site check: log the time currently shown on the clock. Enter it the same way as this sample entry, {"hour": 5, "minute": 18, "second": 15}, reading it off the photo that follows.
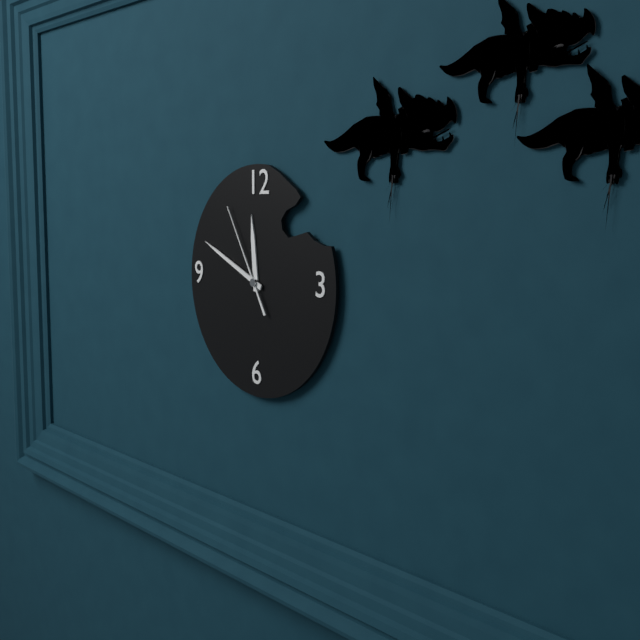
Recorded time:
{"hour": 11, "minute": 49, "second": 55}
